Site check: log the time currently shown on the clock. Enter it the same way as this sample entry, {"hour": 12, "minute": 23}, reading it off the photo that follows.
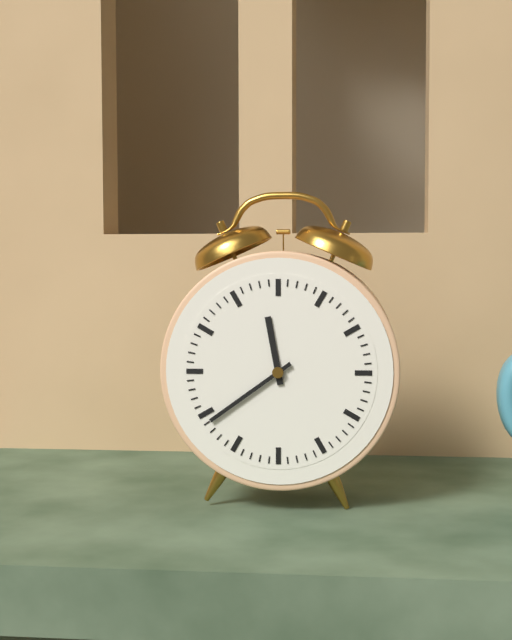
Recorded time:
{"hour": 11, "minute": 39}
